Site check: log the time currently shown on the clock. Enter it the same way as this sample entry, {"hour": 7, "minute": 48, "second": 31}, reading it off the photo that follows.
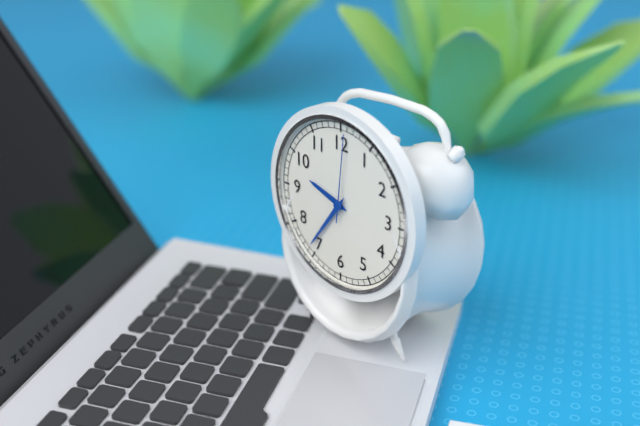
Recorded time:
{"hour": 9, "minute": 36, "second": 1}
